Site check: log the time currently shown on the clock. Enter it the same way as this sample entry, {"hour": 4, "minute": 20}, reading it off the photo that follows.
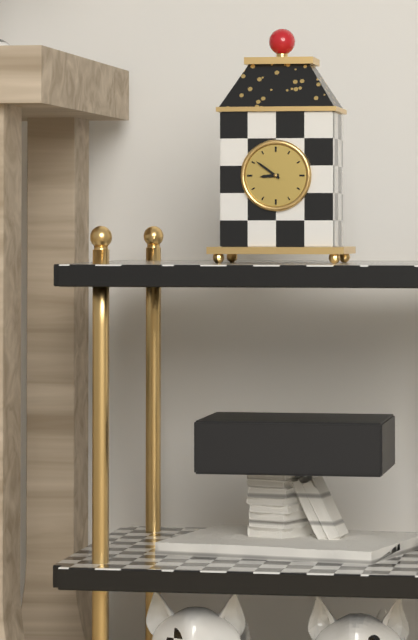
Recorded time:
{"hour": 8, "minute": 51}
